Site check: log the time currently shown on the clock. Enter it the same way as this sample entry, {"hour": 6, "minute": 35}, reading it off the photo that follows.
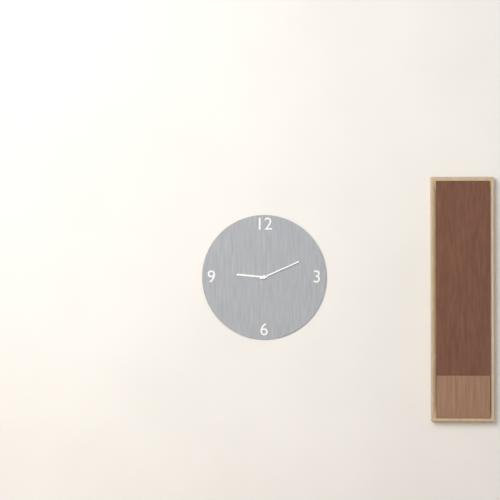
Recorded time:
{"hour": 9, "minute": 11}
